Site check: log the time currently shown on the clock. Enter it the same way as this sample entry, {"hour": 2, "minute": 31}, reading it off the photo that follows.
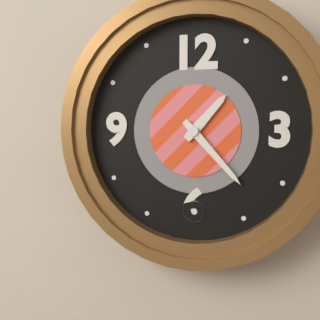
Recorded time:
{"hour": 1, "minute": 23}
